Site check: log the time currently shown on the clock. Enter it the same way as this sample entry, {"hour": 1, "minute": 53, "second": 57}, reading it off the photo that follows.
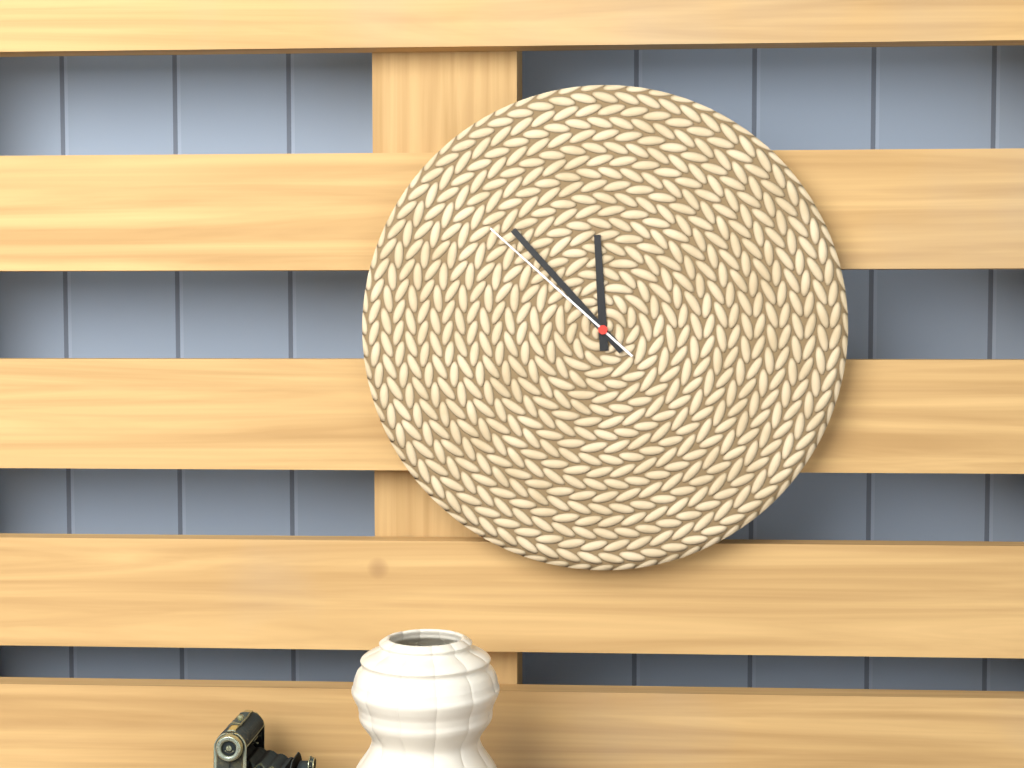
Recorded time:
{"hour": 11, "minute": 53, "second": 52}
